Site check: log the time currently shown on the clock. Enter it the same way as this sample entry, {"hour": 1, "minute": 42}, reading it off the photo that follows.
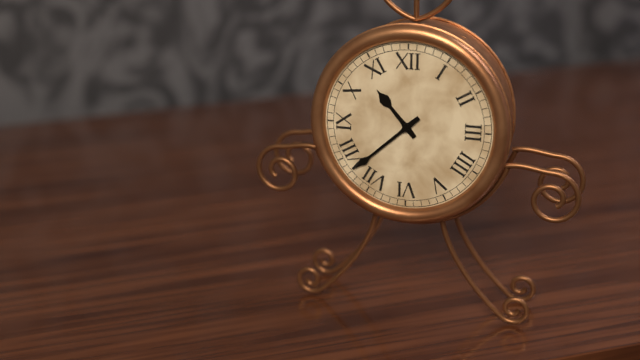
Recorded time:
{"hour": 10, "minute": 38}
